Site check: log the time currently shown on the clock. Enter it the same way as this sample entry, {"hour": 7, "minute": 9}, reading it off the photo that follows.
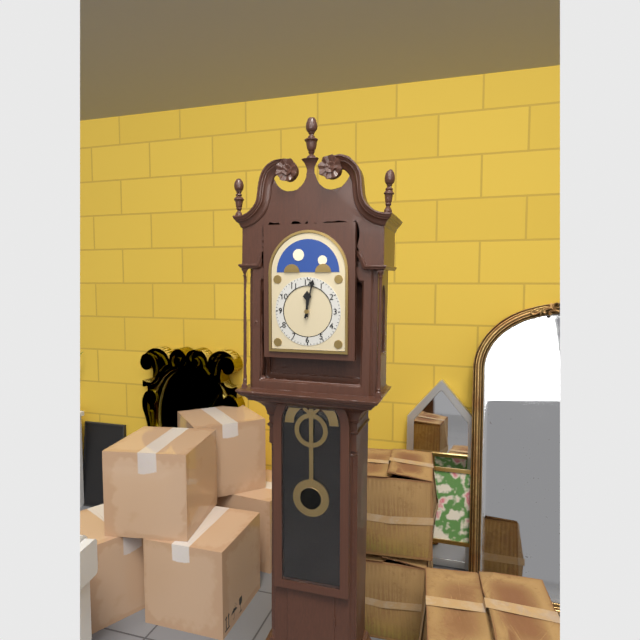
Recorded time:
{"hour": 12, "minute": 2}
